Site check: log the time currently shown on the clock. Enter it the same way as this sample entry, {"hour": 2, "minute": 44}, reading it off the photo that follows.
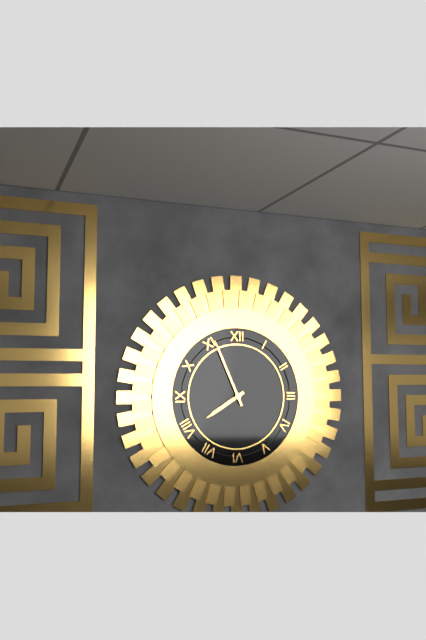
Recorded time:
{"hour": 7, "minute": 56}
